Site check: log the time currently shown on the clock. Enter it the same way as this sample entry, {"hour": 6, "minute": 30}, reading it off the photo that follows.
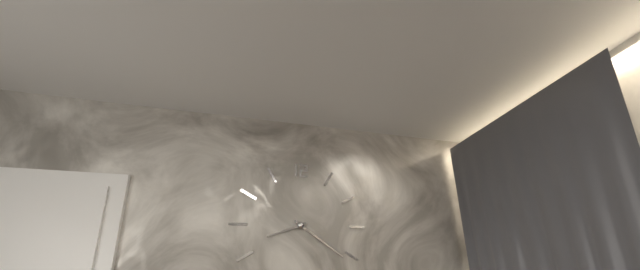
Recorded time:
{"hour": 8, "minute": 21}
